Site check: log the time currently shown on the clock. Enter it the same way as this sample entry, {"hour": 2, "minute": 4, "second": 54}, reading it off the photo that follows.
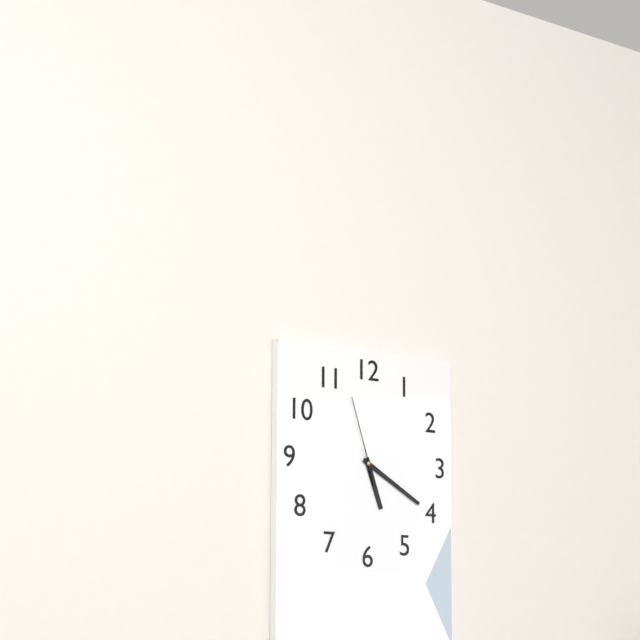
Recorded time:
{"hour": 5, "minute": 20, "second": 57}
